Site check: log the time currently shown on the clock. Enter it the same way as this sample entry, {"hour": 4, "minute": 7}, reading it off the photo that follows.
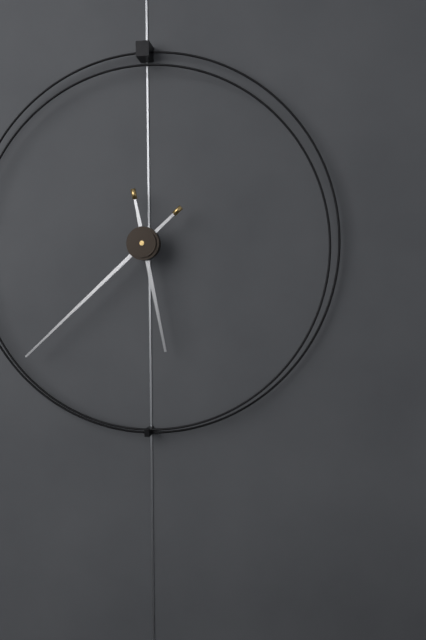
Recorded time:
{"hour": 5, "minute": 38}
